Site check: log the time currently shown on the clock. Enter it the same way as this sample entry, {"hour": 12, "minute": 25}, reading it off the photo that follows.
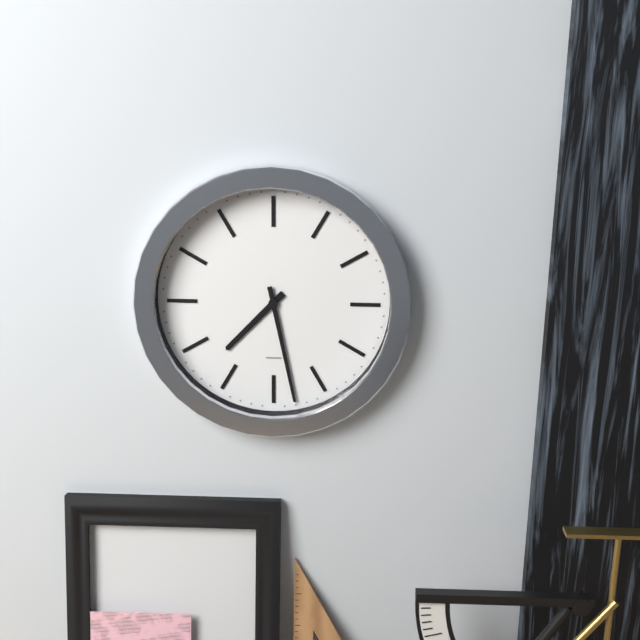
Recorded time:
{"hour": 7, "minute": 28}
